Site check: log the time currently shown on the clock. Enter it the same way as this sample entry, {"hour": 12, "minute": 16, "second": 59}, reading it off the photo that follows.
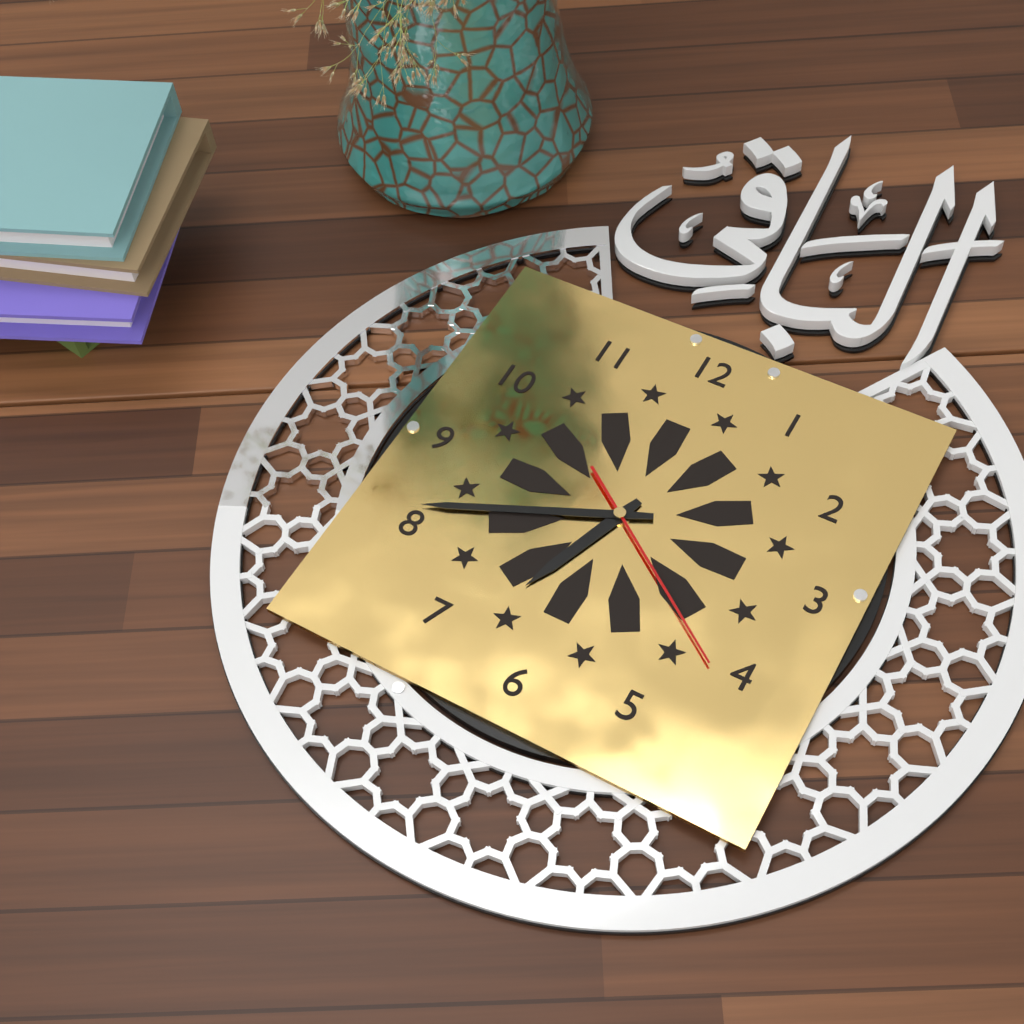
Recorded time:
{"hour": 6, "minute": 41, "second": 21}
